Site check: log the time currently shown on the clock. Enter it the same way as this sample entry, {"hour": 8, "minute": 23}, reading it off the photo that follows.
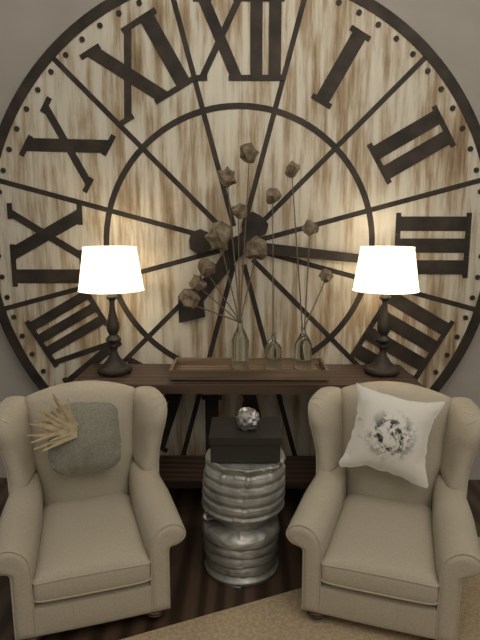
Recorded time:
{"hour": 7, "minute": 16}
